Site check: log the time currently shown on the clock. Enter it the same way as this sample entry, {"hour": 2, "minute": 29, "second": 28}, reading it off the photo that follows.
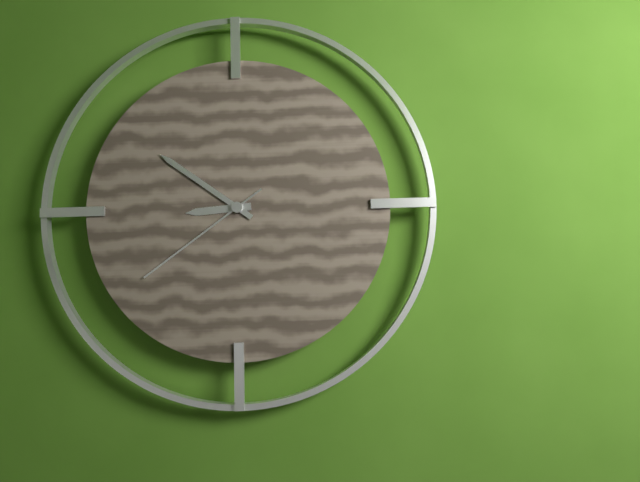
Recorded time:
{"hour": 8, "minute": 51, "second": 39}
